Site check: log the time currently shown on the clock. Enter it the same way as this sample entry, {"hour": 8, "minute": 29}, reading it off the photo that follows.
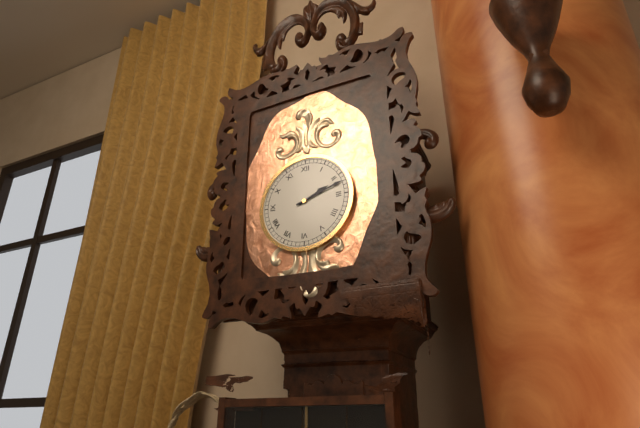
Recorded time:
{"hour": 2, "minute": 12}
